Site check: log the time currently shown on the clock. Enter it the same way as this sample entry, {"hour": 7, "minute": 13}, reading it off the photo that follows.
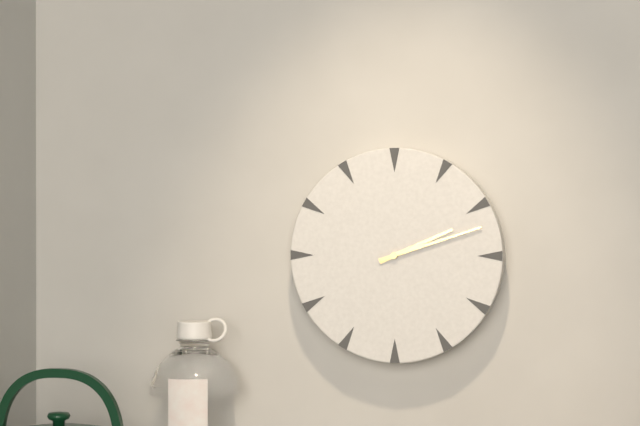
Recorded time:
{"hour": 2, "minute": 12}
